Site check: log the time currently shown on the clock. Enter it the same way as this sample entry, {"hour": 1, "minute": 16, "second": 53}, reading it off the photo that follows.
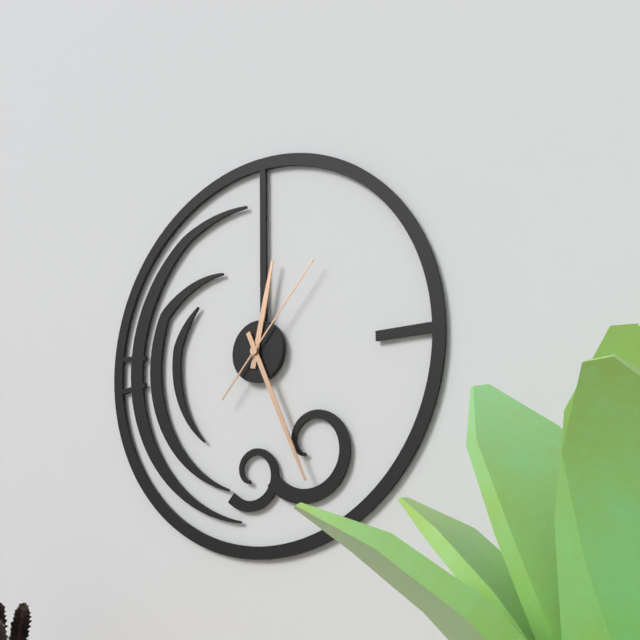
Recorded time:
{"hour": 12, "minute": 26, "second": 7}
